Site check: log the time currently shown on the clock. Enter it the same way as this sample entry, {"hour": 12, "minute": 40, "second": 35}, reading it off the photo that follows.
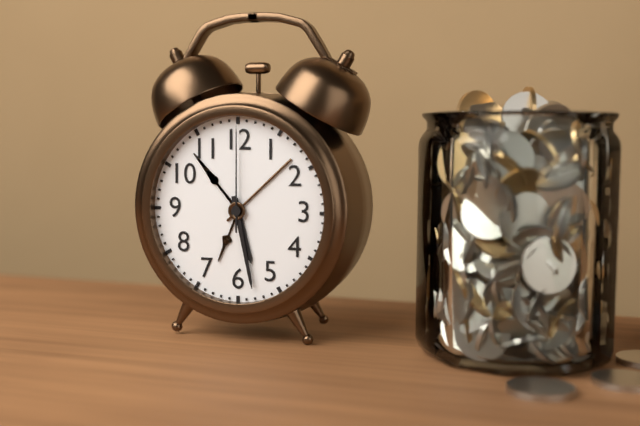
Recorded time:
{"hour": 5, "minute": 28, "second": 0}
